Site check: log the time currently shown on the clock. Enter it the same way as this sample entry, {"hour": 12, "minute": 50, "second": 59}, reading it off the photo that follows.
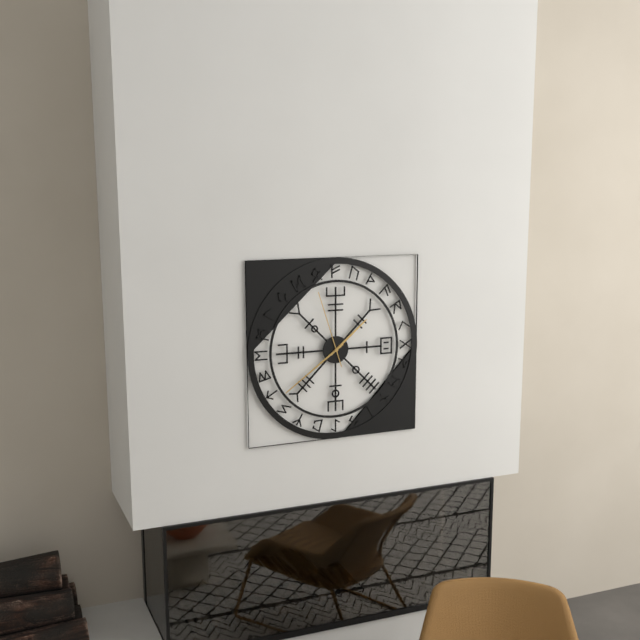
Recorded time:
{"hour": 1, "minute": 39, "second": 57}
